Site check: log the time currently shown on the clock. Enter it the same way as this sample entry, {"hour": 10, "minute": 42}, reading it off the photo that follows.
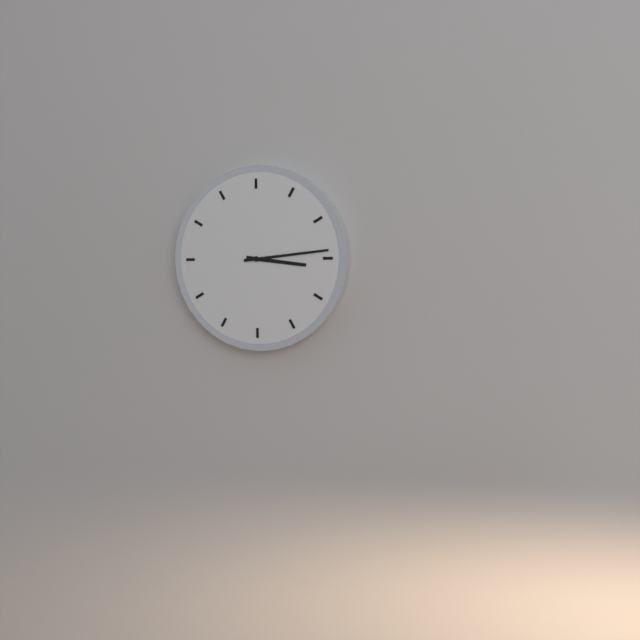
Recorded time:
{"hour": 3, "minute": 14}
